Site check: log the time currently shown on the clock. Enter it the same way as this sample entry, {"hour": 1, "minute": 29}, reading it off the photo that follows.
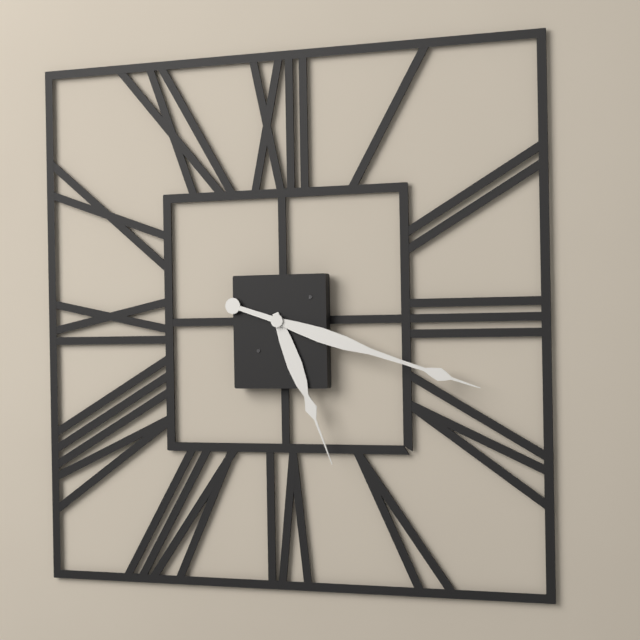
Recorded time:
{"hour": 5, "minute": 18}
